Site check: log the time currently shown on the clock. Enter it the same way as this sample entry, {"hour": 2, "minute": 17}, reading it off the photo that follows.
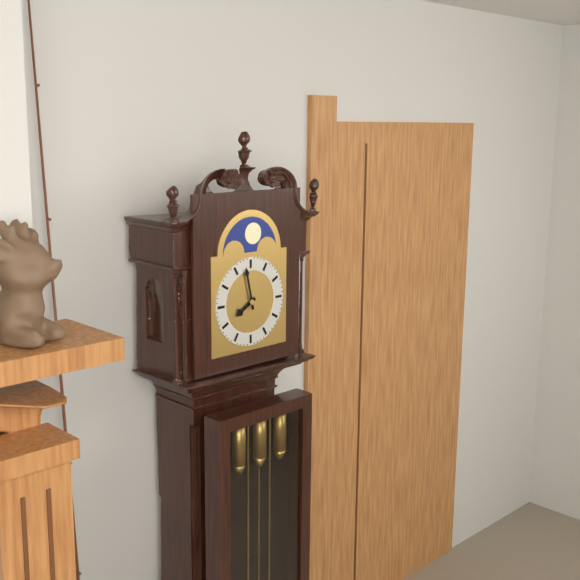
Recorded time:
{"hour": 7, "minute": 58}
